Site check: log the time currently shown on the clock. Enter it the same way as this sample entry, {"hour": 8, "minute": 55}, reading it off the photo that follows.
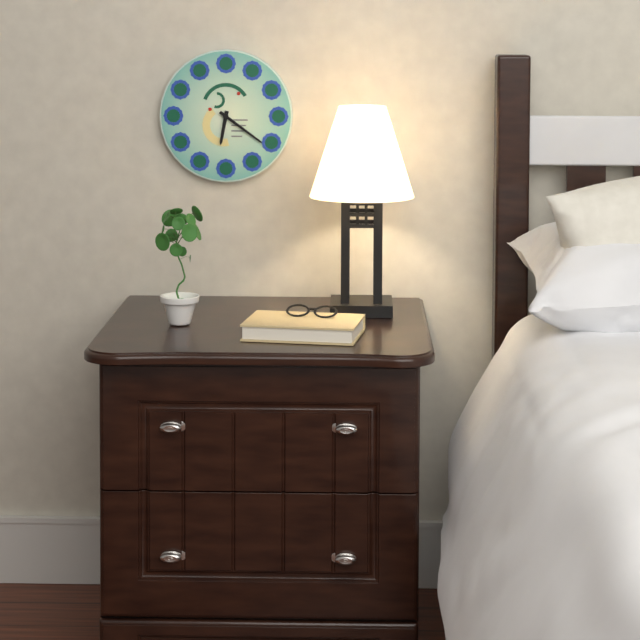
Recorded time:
{"hour": 6, "minute": 21}
